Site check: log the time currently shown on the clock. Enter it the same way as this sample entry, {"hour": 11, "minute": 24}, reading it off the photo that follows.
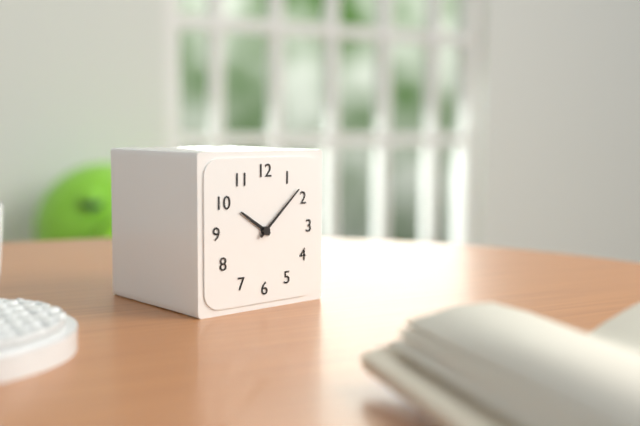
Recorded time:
{"hour": 10, "minute": 8}
